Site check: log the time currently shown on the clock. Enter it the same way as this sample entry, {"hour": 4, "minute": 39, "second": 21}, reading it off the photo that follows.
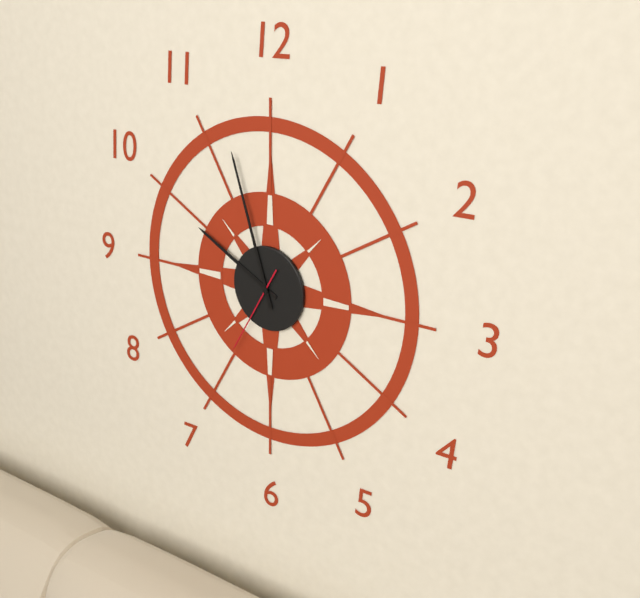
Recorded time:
{"hour": 9, "minute": 57, "second": 35}
